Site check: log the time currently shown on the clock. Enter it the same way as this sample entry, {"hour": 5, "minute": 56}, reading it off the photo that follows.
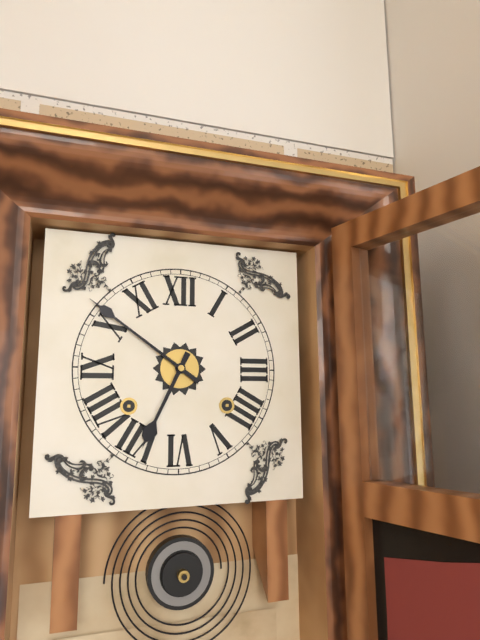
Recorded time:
{"hour": 6, "minute": 51}
